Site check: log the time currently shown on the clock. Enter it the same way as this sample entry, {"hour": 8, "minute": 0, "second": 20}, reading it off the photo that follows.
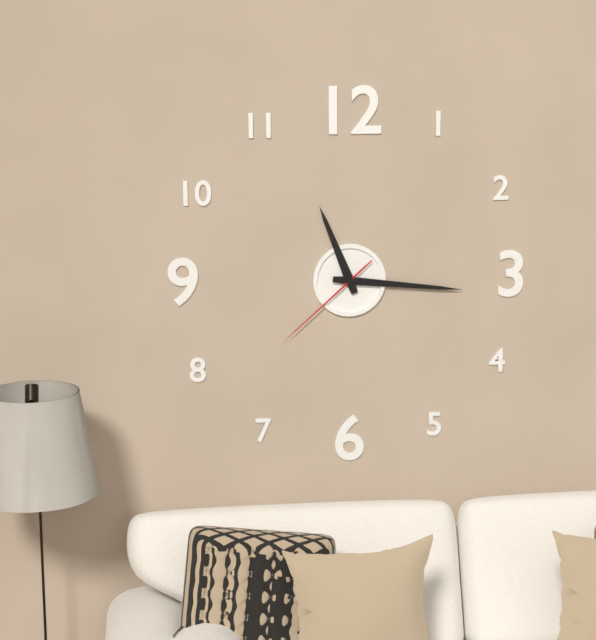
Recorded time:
{"hour": 11, "minute": 16, "second": 38}
